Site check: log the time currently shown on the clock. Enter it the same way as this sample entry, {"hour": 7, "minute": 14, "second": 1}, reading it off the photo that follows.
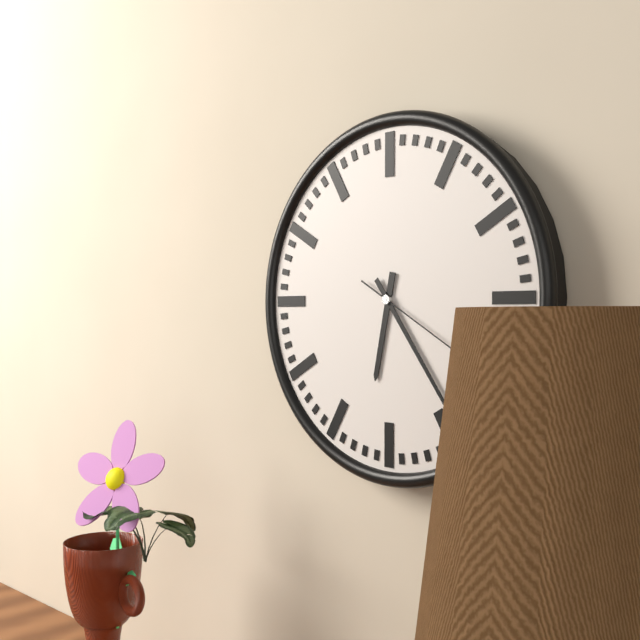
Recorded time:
{"hour": 6, "minute": 24, "second": 20}
